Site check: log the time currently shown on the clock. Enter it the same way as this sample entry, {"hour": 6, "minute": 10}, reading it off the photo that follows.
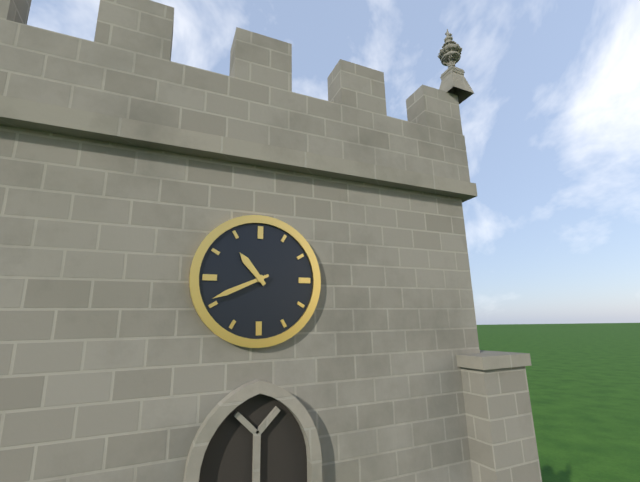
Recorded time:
{"hour": 10, "minute": 41}
